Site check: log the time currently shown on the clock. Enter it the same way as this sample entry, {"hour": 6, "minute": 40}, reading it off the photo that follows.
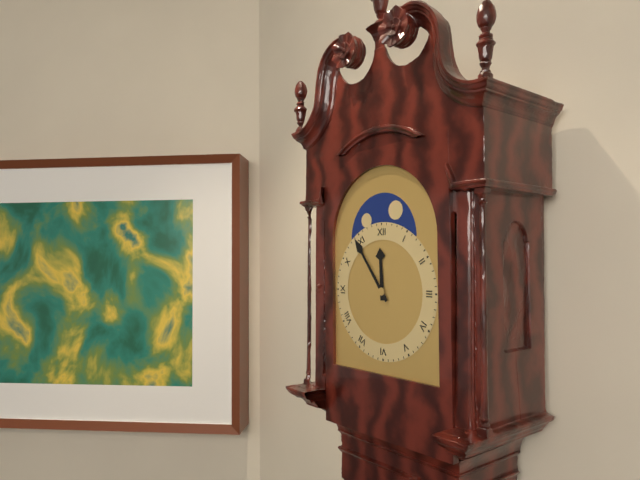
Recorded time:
{"hour": 11, "minute": 54}
